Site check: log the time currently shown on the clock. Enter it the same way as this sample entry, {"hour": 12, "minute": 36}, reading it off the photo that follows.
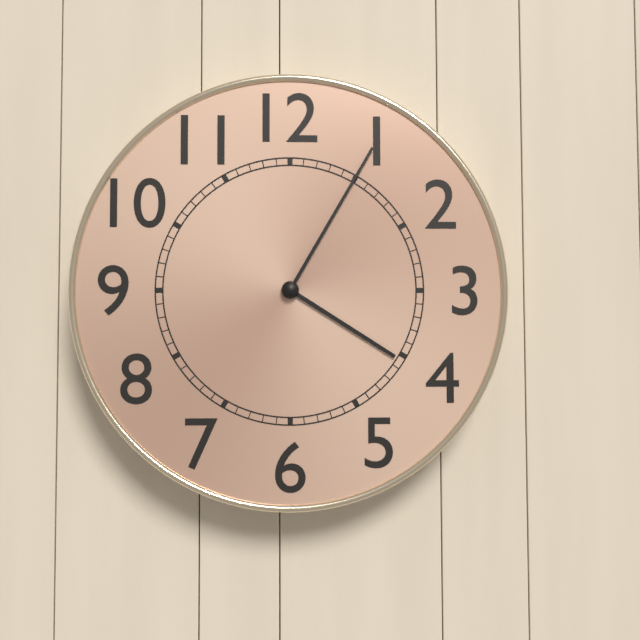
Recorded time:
{"hour": 4, "minute": 5}
